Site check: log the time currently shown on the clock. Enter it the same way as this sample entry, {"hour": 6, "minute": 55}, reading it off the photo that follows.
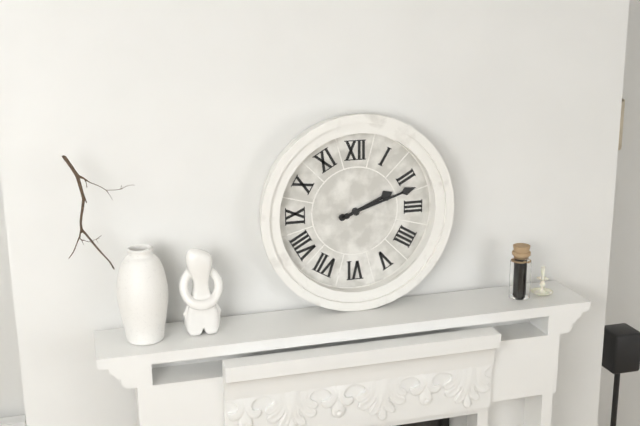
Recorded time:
{"hour": 2, "minute": 12}
